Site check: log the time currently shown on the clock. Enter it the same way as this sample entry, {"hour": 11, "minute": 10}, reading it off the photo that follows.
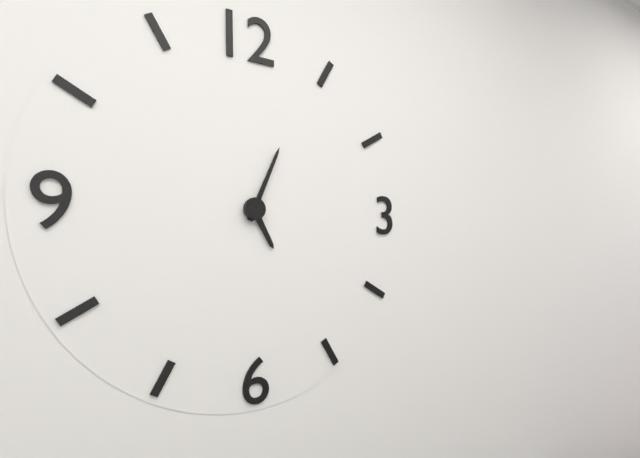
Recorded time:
{"hour": 5, "minute": 4}
